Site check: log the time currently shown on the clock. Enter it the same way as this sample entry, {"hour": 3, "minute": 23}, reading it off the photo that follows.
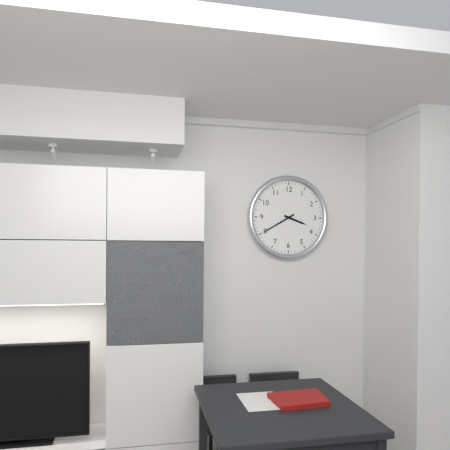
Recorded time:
{"hour": 3, "minute": 40}
